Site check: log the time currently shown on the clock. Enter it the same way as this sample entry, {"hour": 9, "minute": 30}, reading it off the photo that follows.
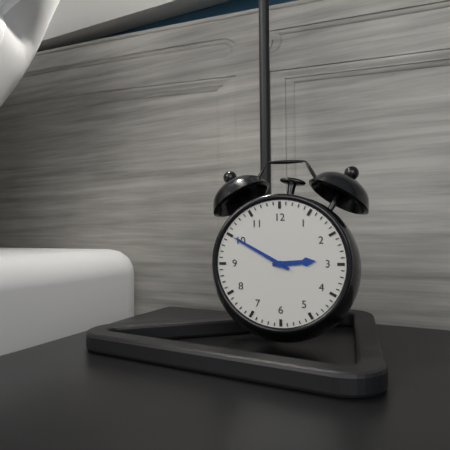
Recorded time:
{"hour": 2, "minute": 50}
